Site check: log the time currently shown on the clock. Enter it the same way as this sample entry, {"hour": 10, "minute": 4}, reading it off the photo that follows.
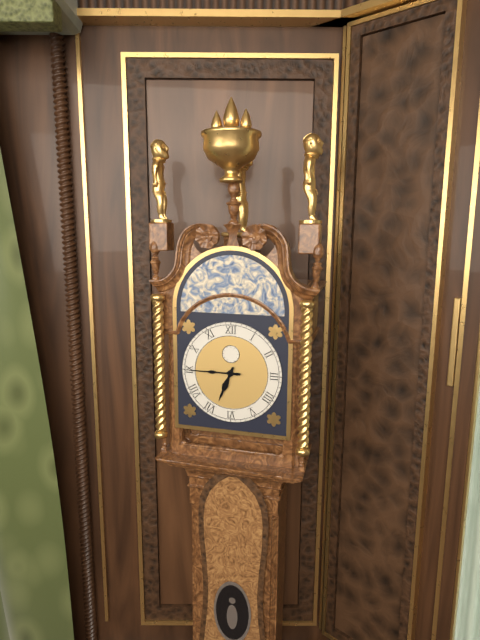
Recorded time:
{"hour": 6, "minute": 45}
